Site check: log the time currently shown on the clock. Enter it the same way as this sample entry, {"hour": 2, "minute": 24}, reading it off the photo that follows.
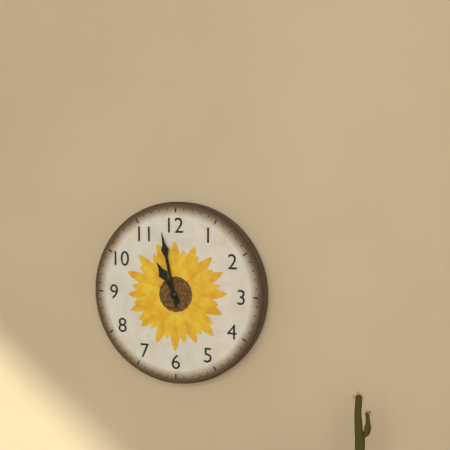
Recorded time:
{"hour": 10, "minute": 58}
